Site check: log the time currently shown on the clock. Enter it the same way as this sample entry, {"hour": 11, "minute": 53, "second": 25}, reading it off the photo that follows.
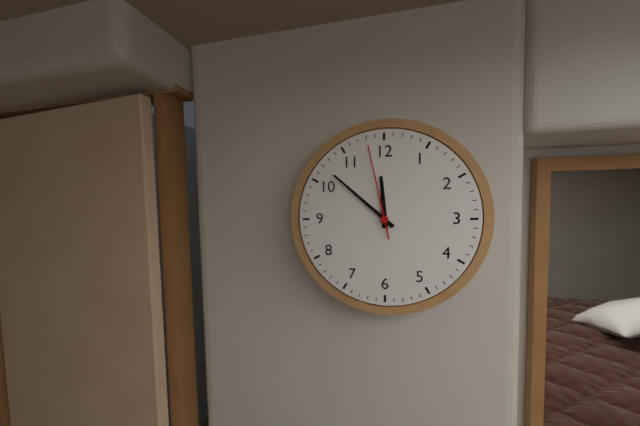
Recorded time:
{"hour": 11, "minute": 52, "second": 58}
